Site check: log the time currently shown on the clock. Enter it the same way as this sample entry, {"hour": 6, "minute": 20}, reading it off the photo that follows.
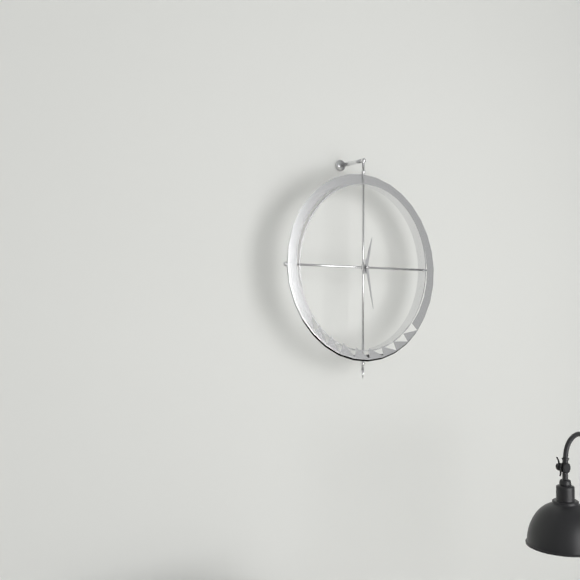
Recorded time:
{"hour": 12, "minute": 28}
